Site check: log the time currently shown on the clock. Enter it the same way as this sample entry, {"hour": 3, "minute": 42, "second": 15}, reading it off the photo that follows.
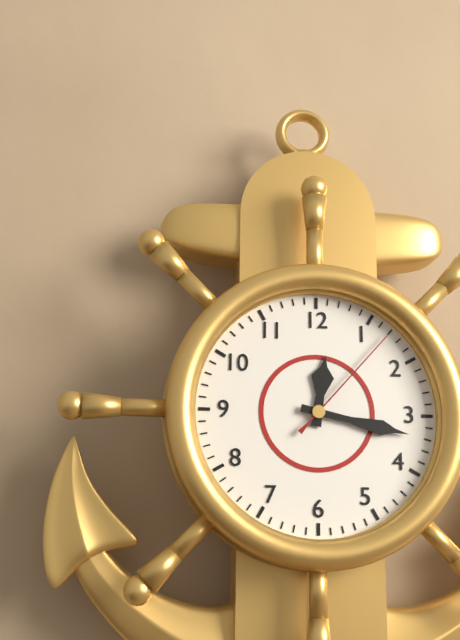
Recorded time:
{"hour": 12, "minute": 17, "second": 7}
